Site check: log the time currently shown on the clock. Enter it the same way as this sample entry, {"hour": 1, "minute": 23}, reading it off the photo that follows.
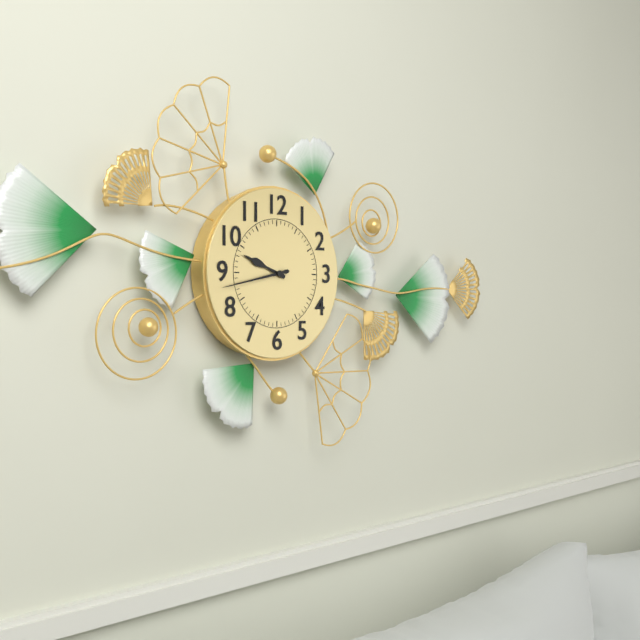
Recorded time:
{"hour": 9, "minute": 43}
